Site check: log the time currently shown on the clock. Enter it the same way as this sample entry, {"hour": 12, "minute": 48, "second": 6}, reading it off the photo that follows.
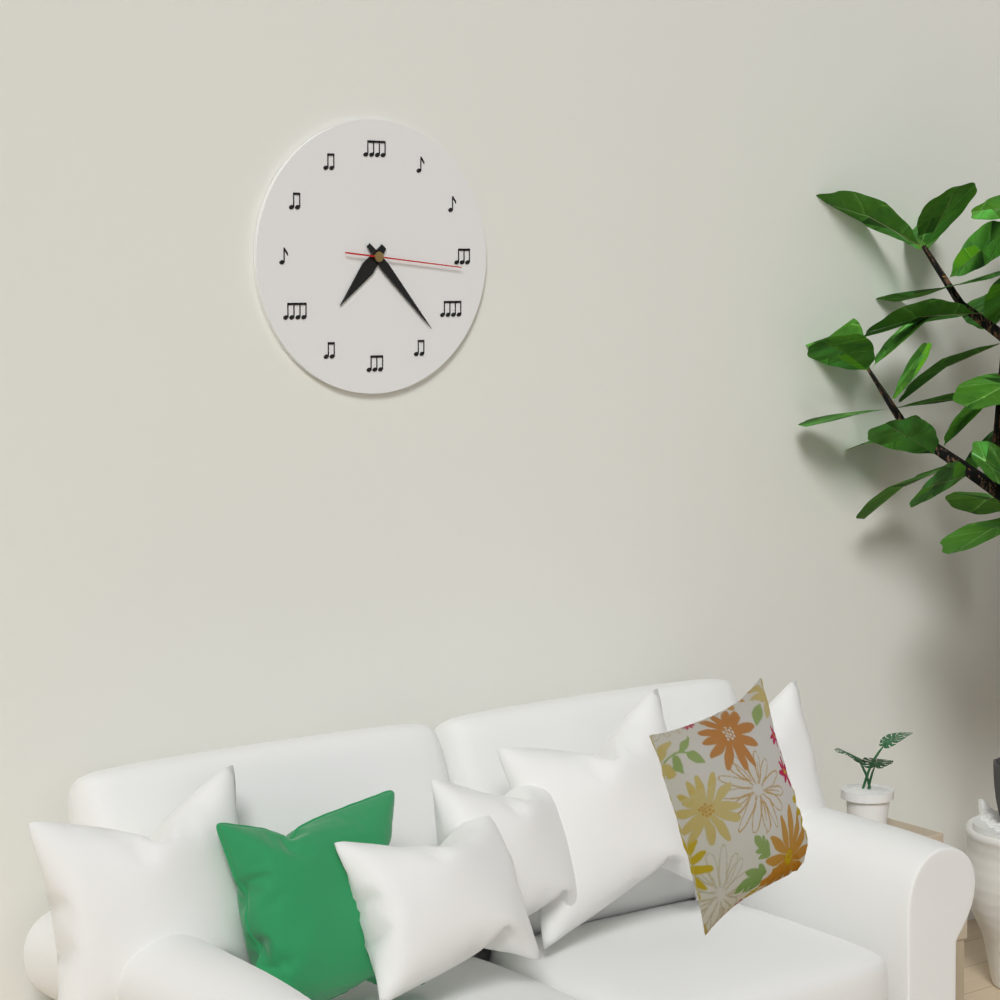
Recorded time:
{"hour": 7, "minute": 23, "second": 16}
